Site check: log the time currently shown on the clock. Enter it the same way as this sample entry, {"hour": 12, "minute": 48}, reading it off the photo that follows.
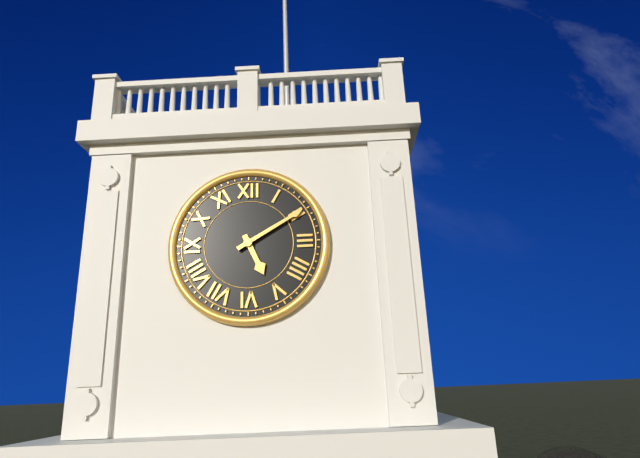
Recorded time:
{"hour": 5, "minute": 10}
